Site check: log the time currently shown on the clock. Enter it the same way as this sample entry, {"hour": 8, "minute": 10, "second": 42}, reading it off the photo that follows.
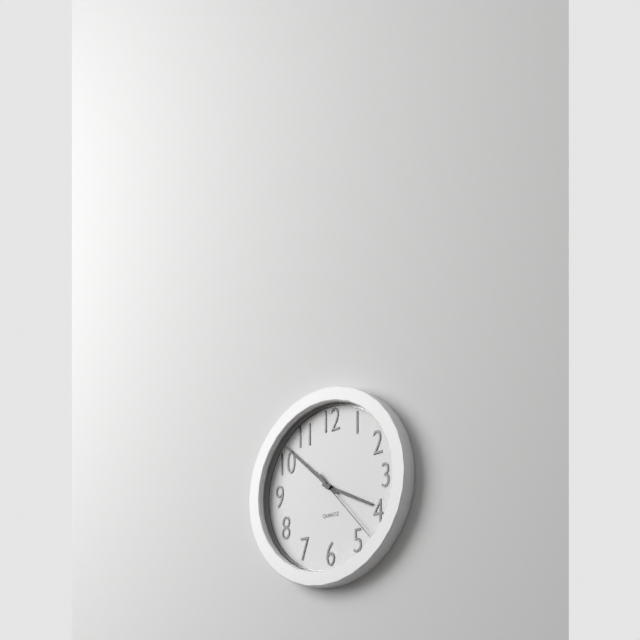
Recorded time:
{"hour": 3, "minute": 52, "second": 23}
